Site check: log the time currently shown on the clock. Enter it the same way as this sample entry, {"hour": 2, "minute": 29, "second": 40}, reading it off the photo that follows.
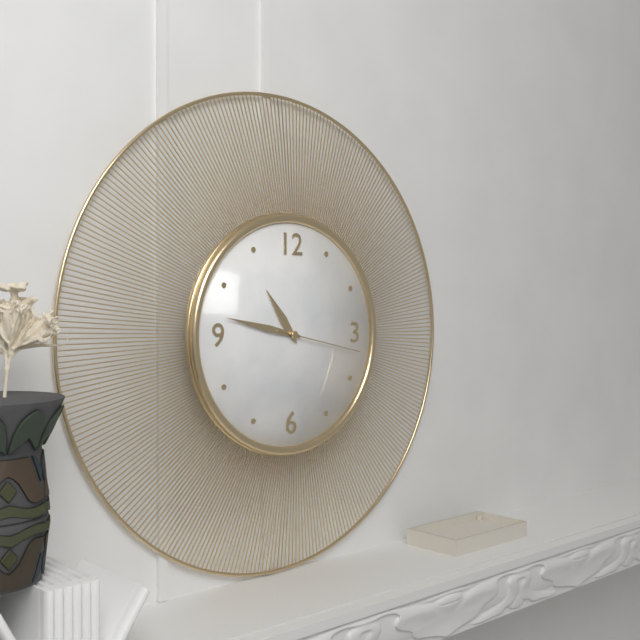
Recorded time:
{"hour": 10, "minute": 47, "second": 17}
